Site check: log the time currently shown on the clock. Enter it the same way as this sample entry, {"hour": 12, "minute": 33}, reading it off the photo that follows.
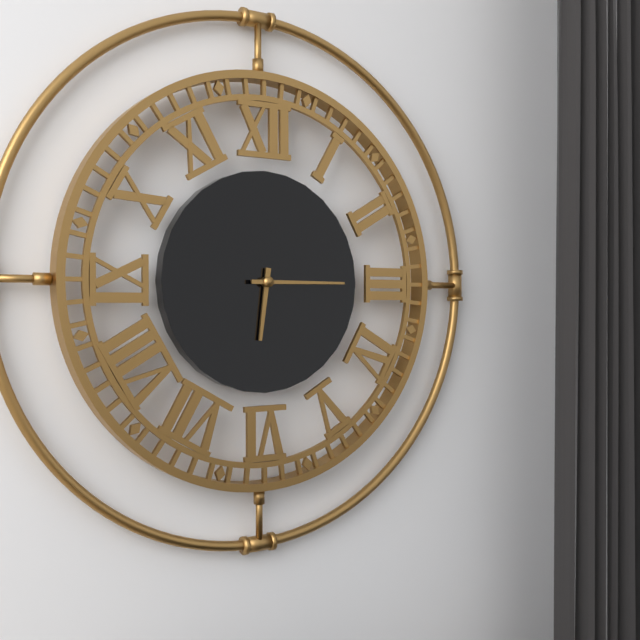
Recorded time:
{"hour": 6, "minute": 15}
